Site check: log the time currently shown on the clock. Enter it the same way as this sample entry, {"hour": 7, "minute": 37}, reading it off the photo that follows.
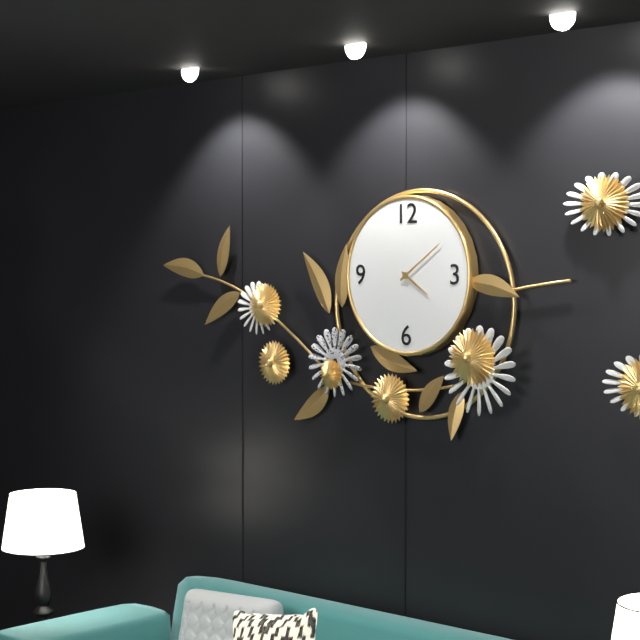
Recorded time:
{"hour": 4, "minute": 9}
